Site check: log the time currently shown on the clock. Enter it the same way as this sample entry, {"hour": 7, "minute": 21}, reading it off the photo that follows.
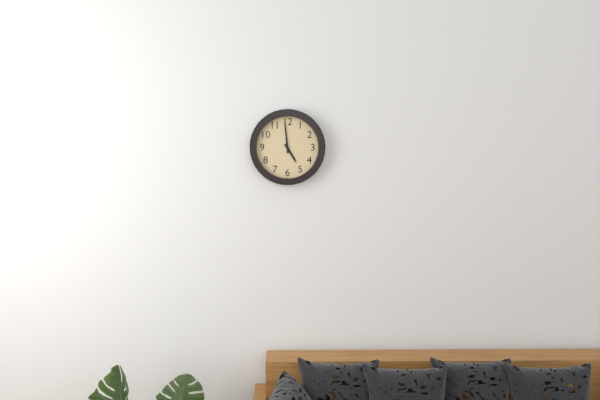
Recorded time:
{"hour": 4, "minute": 59}
